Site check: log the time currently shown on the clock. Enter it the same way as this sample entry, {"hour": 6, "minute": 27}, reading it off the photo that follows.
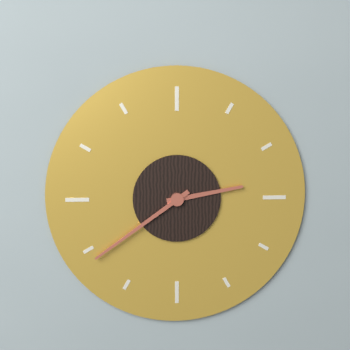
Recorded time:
{"hour": 2, "minute": 39}
